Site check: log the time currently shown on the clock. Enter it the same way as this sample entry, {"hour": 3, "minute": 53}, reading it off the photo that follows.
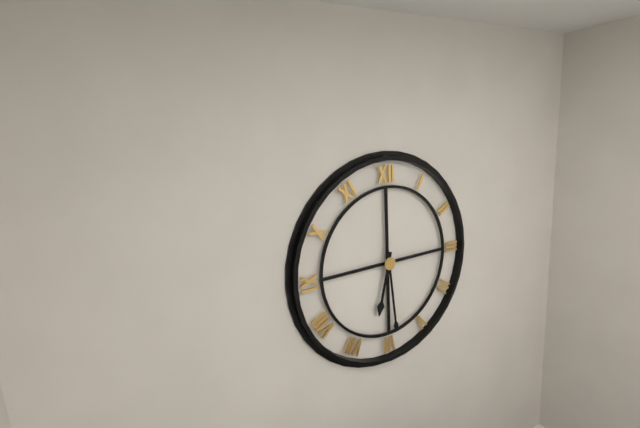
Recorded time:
{"hour": 6, "minute": 29}
